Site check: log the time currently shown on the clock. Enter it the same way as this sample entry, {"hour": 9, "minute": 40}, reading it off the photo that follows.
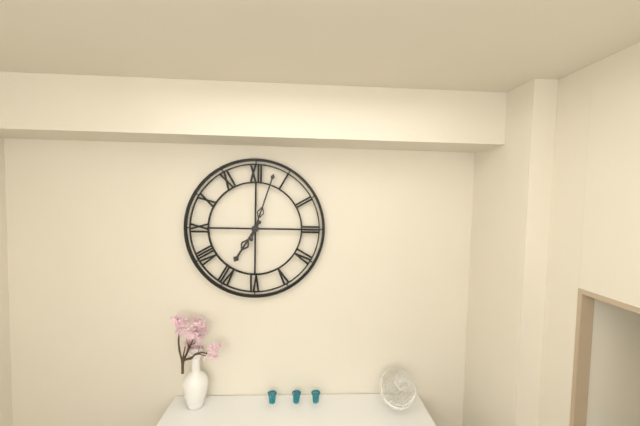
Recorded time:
{"hour": 7, "minute": 3}
